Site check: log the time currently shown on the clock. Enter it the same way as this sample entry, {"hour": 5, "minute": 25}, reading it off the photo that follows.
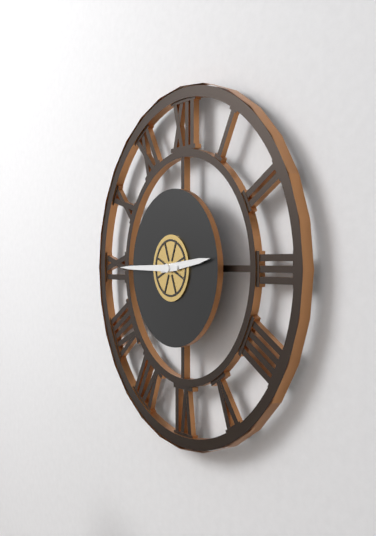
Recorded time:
{"hour": 2, "minute": 45}
